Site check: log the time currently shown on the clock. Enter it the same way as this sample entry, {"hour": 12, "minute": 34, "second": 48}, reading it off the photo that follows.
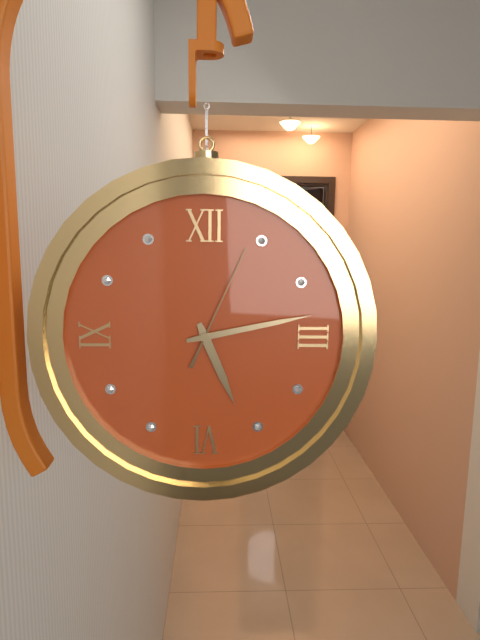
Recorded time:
{"hour": 5, "minute": 13, "second": 4}
